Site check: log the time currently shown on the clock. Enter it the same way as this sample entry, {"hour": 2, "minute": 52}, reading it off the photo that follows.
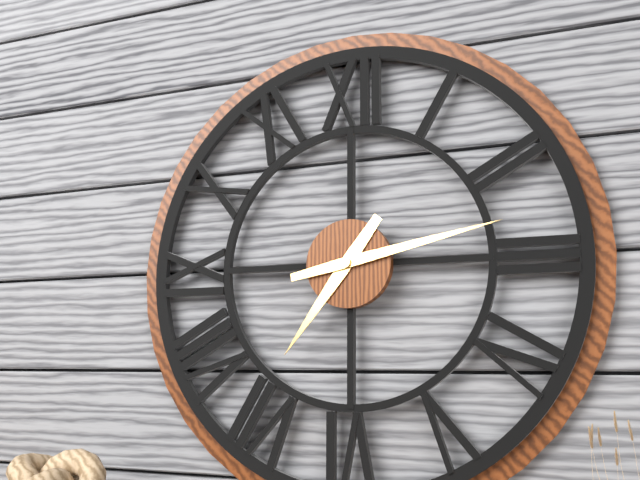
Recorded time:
{"hour": 7, "minute": 13}
